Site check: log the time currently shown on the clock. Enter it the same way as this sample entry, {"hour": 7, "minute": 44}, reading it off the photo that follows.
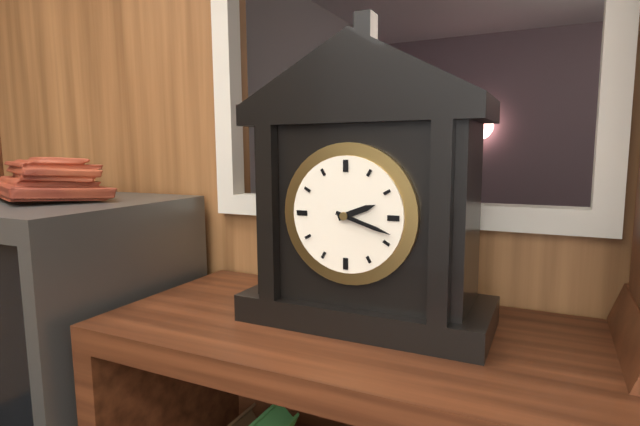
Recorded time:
{"hour": 2, "minute": 18}
